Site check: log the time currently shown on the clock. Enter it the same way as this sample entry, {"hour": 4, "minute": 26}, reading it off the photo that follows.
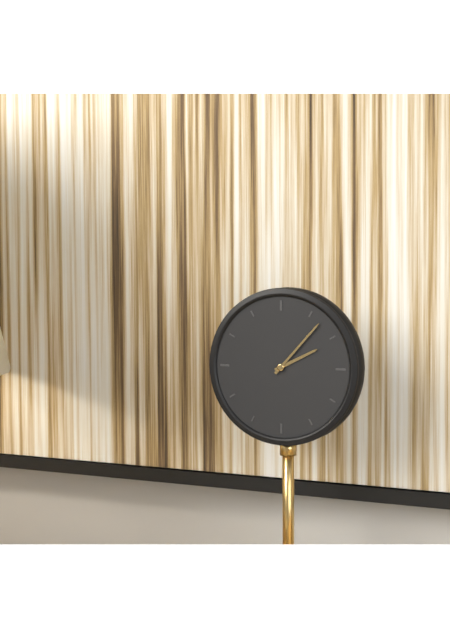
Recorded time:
{"hour": 2, "minute": 7}
